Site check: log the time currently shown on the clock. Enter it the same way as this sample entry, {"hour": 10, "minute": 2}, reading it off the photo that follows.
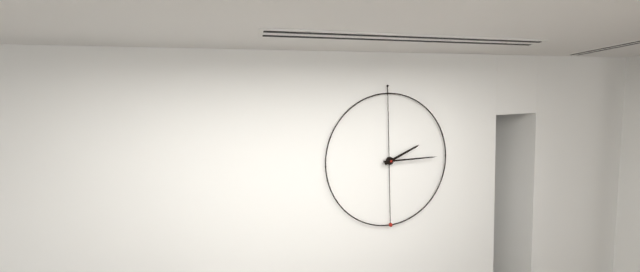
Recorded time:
{"hour": 2, "minute": 15}
